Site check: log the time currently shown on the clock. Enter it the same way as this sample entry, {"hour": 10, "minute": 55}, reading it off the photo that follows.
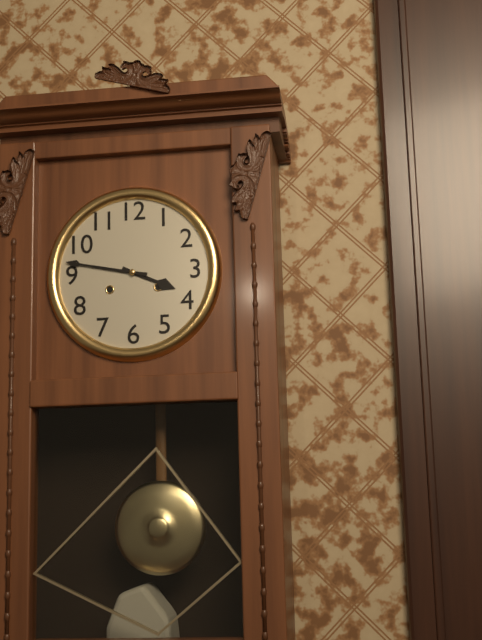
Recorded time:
{"hour": 3, "minute": 47}
